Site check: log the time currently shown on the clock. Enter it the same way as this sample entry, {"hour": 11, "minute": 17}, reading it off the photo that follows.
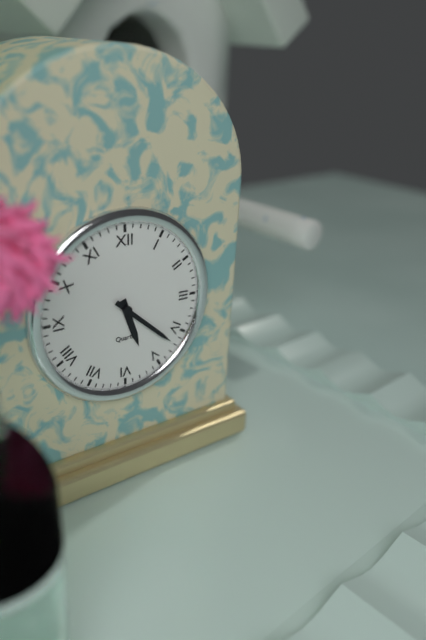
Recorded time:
{"hour": 5, "minute": 22}
